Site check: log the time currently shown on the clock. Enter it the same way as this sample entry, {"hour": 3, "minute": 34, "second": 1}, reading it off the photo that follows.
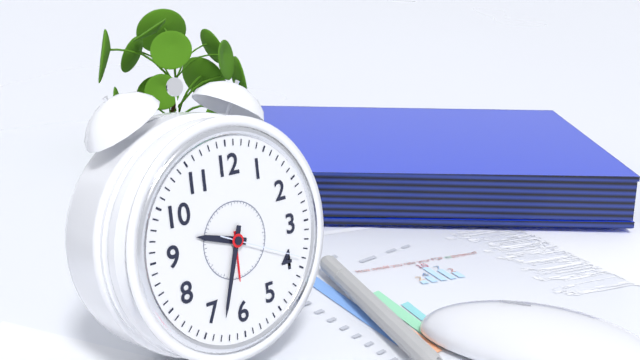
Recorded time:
{"hour": 9, "minute": 33, "second": 19}
